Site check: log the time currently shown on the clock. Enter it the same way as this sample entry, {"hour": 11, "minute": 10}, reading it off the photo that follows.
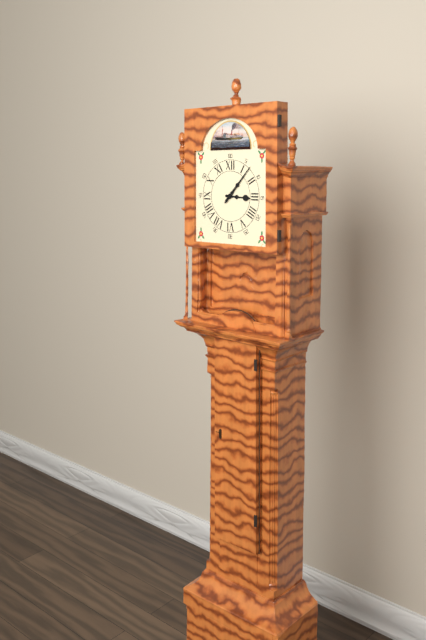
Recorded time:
{"hour": 3, "minute": 7}
